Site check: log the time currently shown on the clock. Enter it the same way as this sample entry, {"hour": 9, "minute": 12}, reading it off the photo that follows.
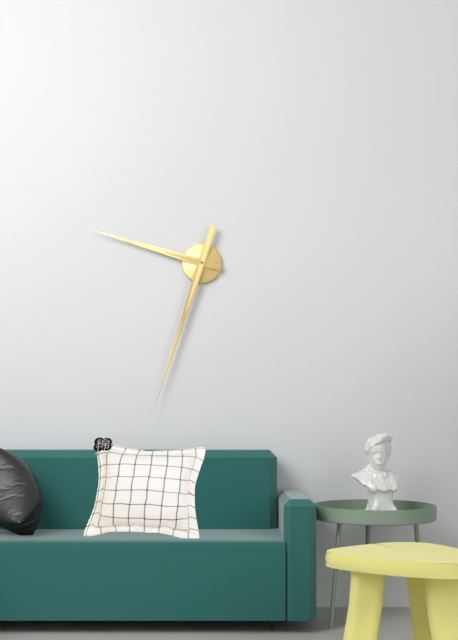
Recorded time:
{"hour": 9, "minute": 33}
